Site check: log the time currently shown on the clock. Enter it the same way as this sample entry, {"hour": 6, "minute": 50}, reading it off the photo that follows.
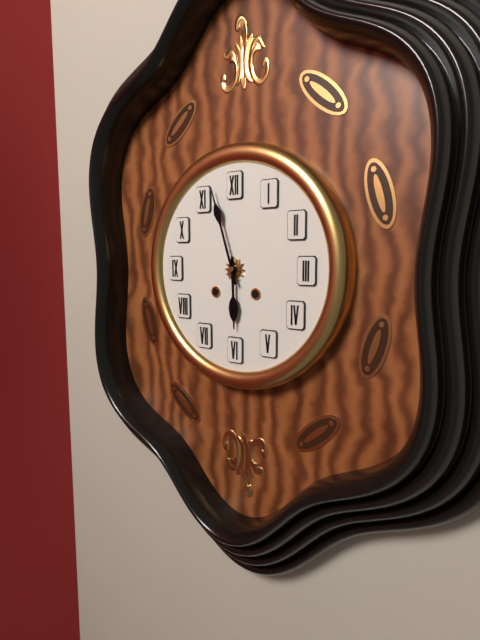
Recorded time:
{"hour": 5, "minute": 57}
